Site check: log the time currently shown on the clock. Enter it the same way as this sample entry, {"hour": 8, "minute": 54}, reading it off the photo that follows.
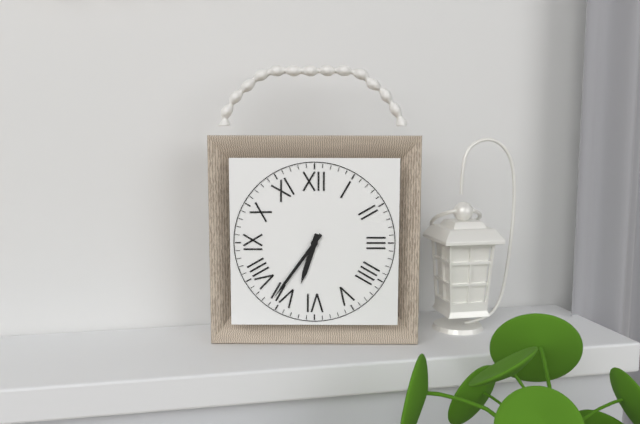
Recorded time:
{"hour": 6, "minute": 36}
